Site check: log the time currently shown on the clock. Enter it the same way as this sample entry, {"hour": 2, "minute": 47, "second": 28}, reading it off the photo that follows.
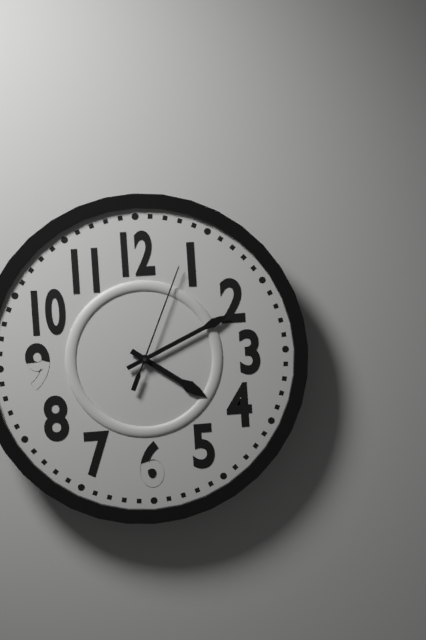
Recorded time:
{"hour": 4, "minute": 11, "second": 4}
